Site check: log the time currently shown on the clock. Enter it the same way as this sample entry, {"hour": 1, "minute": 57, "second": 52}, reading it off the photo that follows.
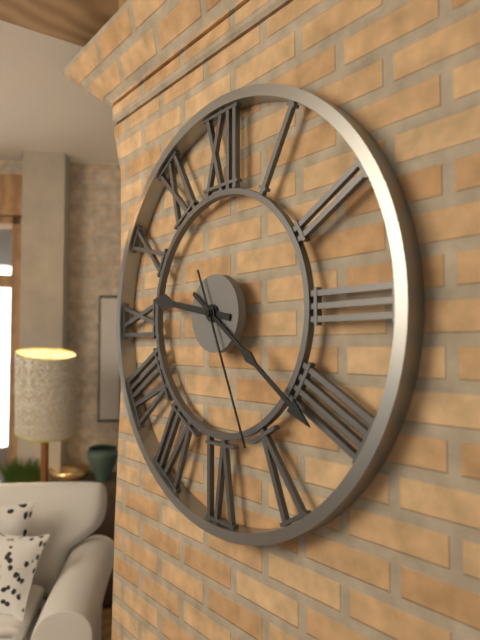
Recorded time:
{"hour": 9, "minute": 21, "second": 26}
